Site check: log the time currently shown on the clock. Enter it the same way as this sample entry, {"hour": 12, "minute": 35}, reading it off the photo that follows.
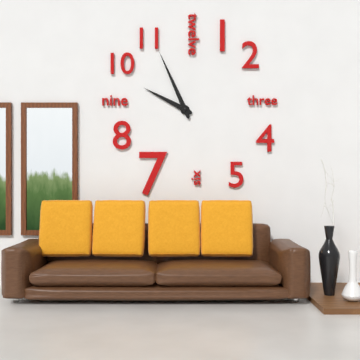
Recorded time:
{"hour": 9, "minute": 56}
